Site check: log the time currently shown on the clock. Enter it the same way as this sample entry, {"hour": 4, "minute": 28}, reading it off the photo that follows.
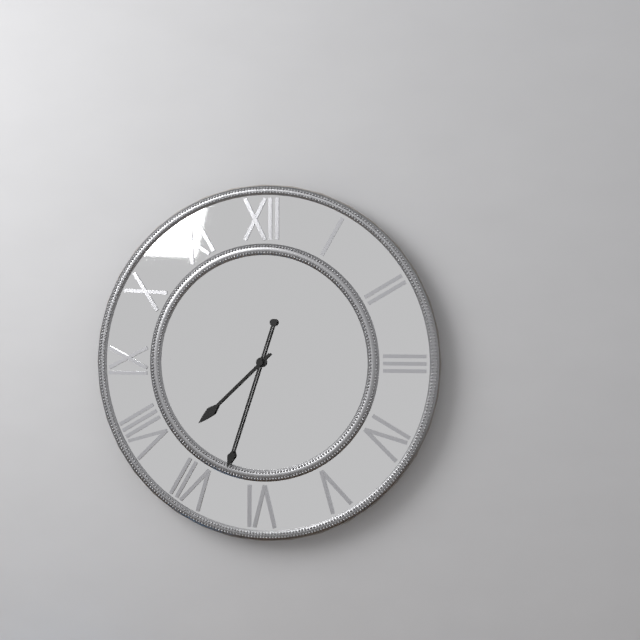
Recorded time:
{"hour": 7, "minute": 33}
